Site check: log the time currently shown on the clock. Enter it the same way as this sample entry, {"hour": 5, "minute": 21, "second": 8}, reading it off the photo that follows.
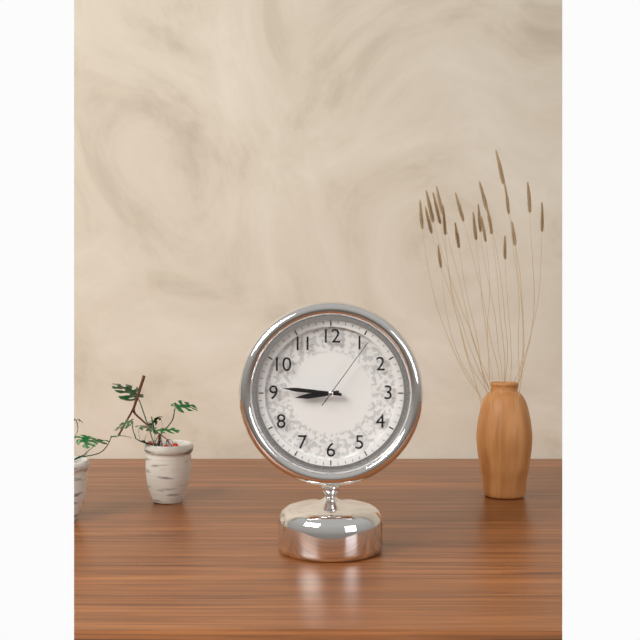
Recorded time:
{"hour": 8, "minute": 46, "second": 6}
